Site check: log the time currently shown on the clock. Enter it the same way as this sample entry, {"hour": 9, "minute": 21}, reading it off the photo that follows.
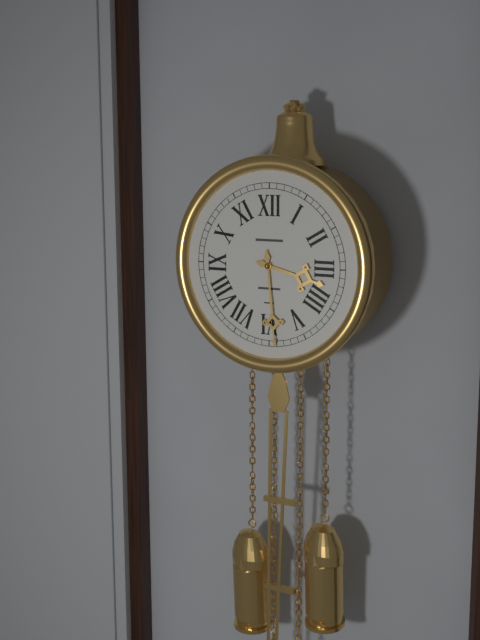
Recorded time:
{"hour": 3, "minute": 29}
